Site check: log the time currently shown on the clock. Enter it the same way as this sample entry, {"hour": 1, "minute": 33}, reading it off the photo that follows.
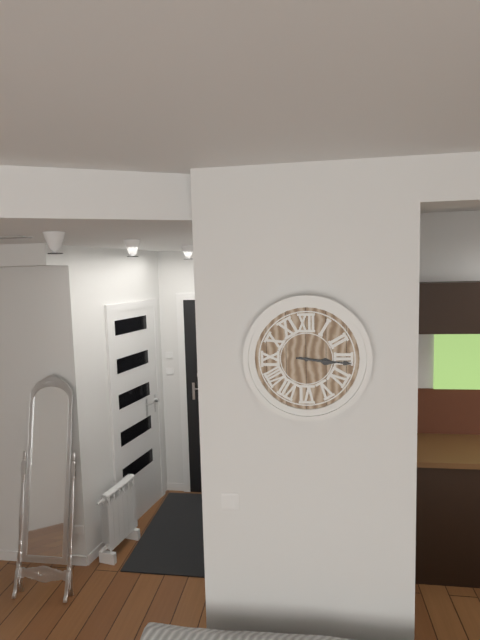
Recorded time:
{"hour": 3, "minute": 16}
